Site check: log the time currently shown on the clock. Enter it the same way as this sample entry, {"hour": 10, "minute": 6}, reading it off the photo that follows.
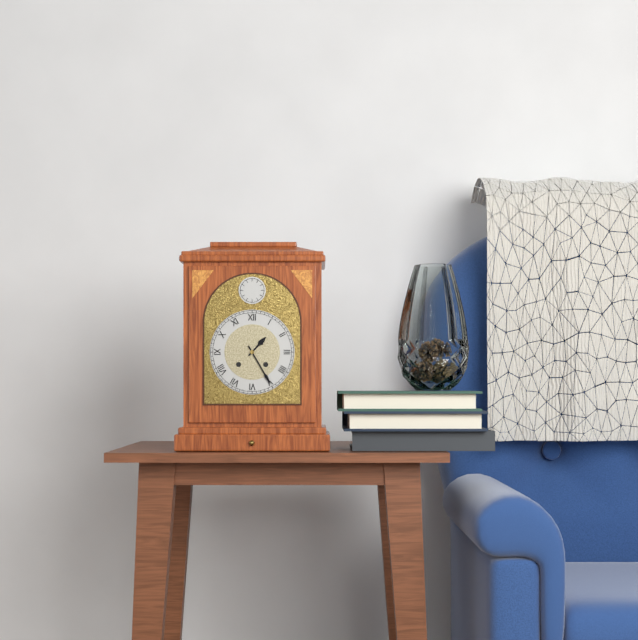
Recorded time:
{"hour": 1, "minute": 25}
